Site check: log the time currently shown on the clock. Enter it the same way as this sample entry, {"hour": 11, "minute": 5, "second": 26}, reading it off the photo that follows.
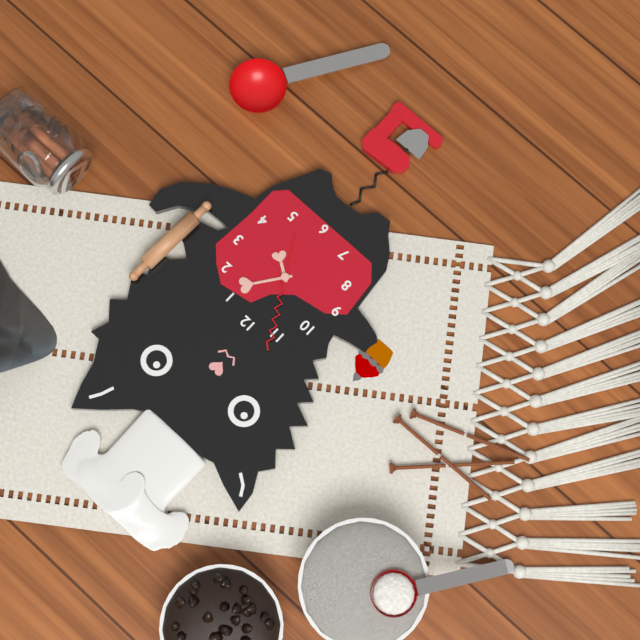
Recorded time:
{"hour": 4, "minute": 6, "second": 55}
